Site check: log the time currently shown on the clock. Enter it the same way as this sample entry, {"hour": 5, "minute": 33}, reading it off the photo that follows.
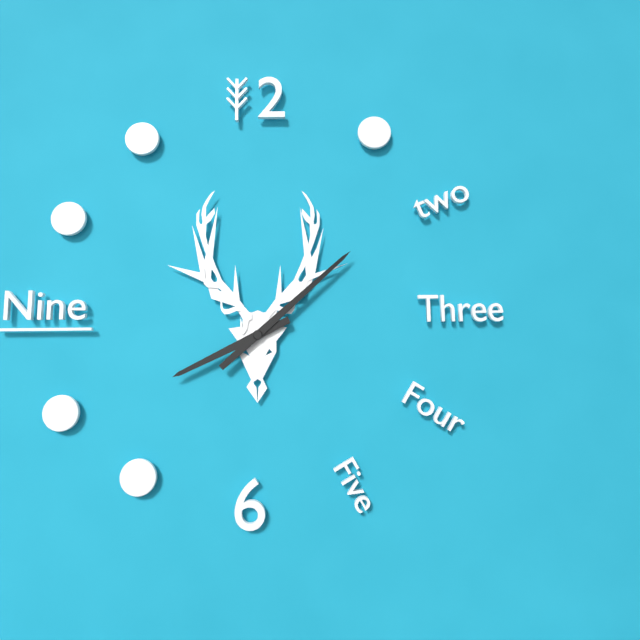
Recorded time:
{"hour": 8, "minute": 8}
